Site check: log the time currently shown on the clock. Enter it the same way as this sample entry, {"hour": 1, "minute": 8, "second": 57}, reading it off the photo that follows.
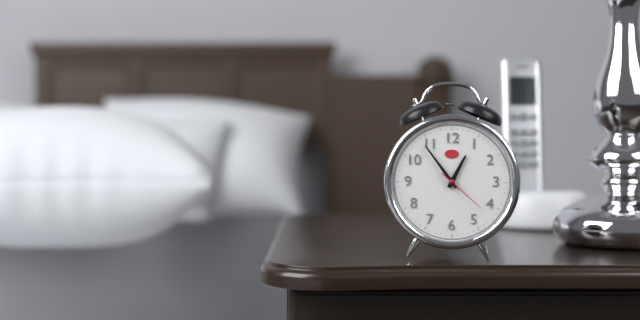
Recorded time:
{"hour": 12, "minute": 54, "second": 22}
